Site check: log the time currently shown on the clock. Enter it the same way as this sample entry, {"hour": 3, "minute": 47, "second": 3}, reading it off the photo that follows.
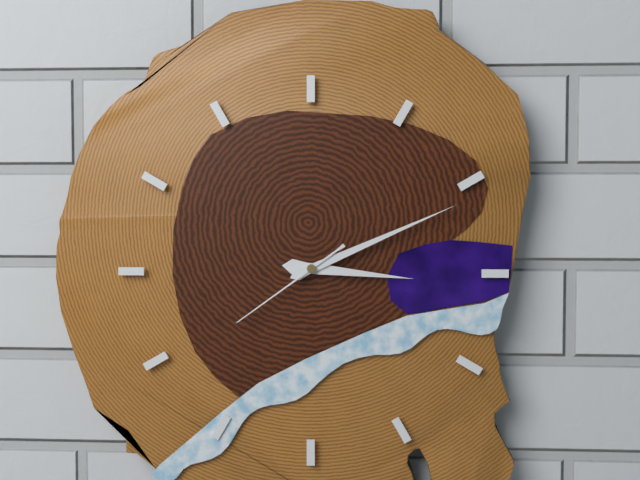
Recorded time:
{"hour": 3, "minute": 11, "second": 39}
